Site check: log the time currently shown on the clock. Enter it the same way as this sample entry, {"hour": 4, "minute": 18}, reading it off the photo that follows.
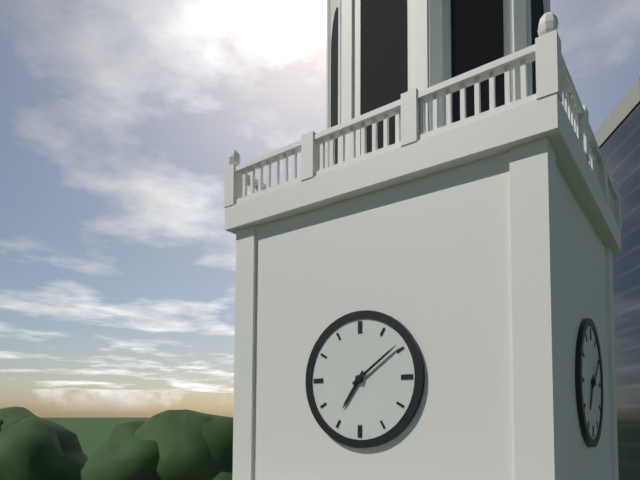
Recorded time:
{"hour": 7, "minute": 9}
